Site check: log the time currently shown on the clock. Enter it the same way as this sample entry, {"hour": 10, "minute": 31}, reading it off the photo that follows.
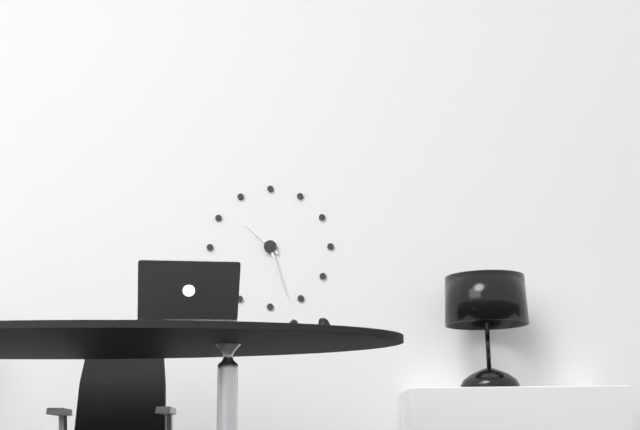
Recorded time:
{"hour": 10, "minute": 27}
